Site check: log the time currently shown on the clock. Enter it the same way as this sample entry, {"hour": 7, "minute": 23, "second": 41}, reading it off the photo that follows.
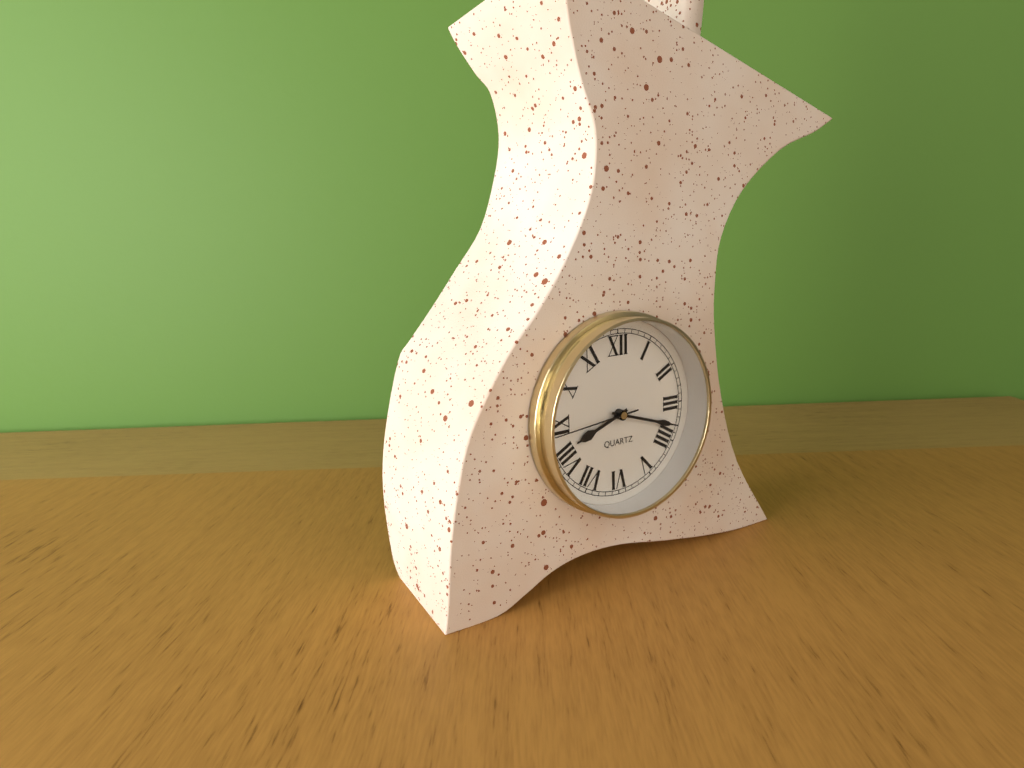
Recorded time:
{"hour": 8, "minute": 18, "second": 44}
